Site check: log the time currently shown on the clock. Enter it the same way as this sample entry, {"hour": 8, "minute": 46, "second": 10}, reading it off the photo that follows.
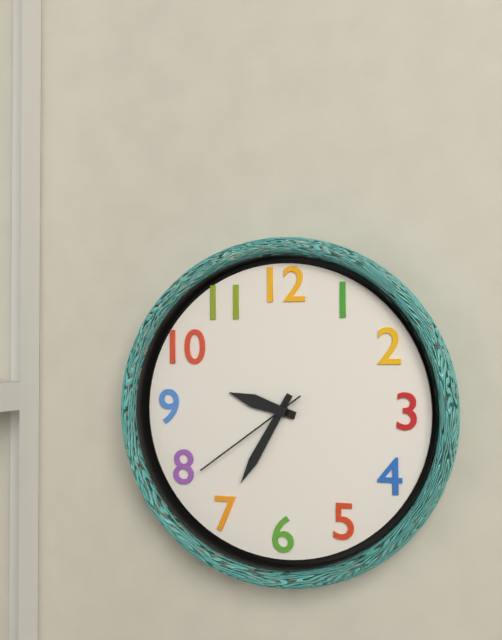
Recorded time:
{"hour": 9, "minute": 35, "second": 39}
